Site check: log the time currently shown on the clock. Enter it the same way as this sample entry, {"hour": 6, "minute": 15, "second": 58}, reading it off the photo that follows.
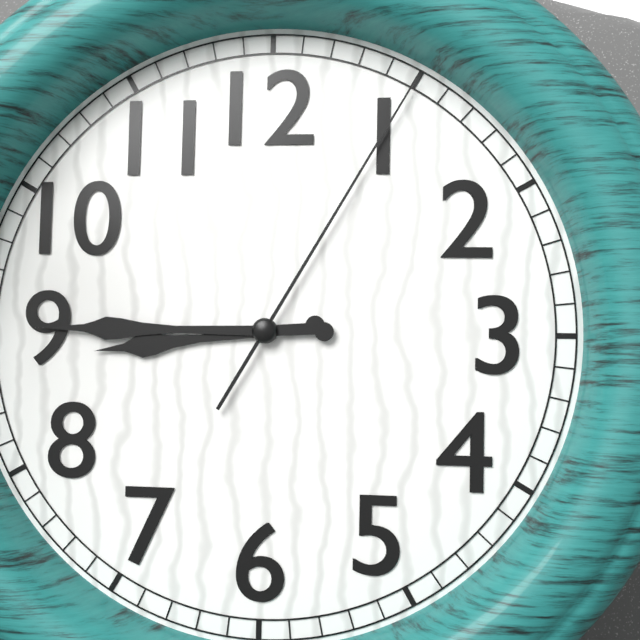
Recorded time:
{"hour": 8, "minute": 45, "second": 5}
